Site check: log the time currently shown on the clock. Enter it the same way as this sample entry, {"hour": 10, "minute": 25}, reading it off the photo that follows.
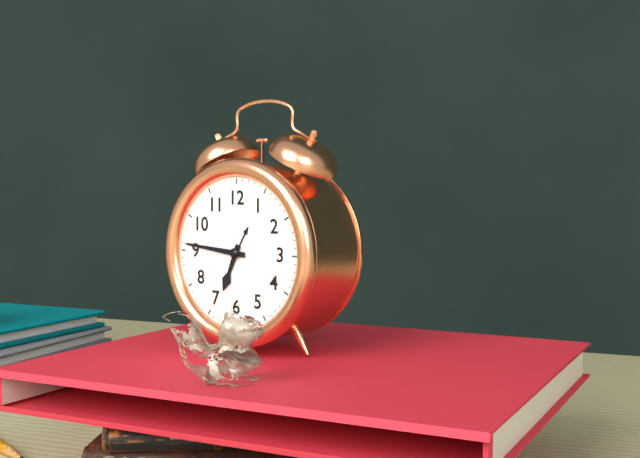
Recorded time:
{"hour": 6, "minute": 46}
